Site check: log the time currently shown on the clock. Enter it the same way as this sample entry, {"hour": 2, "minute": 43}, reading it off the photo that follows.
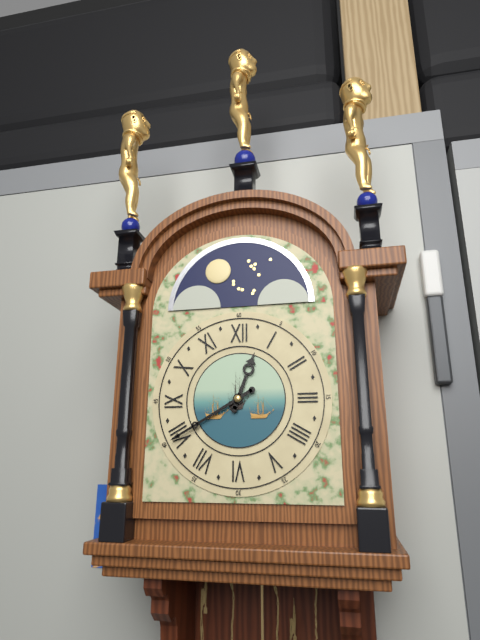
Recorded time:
{"hour": 12, "minute": 40}
